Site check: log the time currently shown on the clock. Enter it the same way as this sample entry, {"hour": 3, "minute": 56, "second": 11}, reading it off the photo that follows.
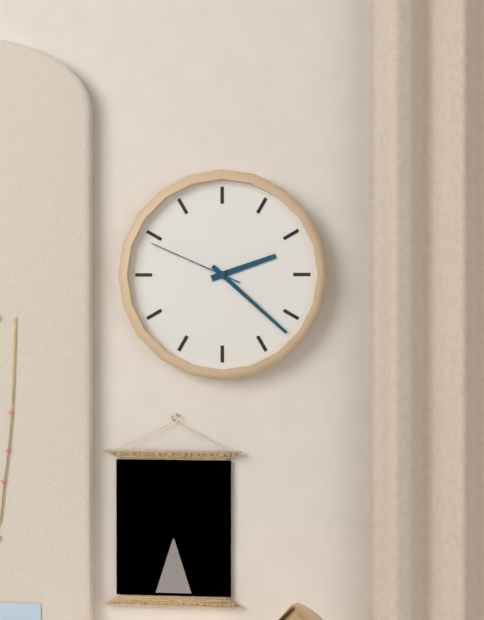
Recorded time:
{"hour": 2, "minute": 22, "second": 49}
